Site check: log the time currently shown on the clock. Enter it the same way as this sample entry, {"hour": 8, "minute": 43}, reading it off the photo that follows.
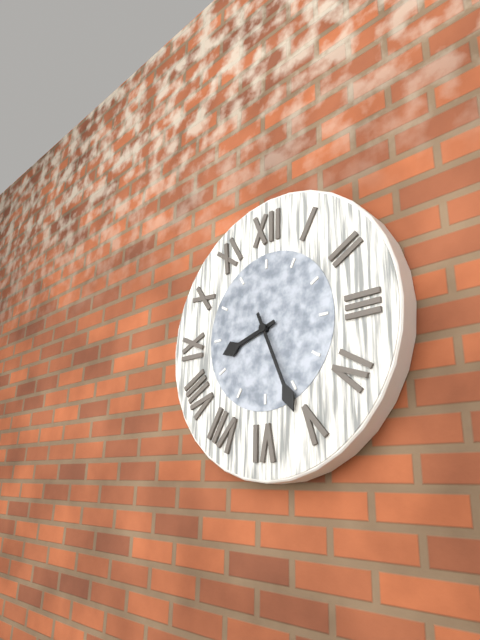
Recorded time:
{"hour": 8, "minute": 26}
